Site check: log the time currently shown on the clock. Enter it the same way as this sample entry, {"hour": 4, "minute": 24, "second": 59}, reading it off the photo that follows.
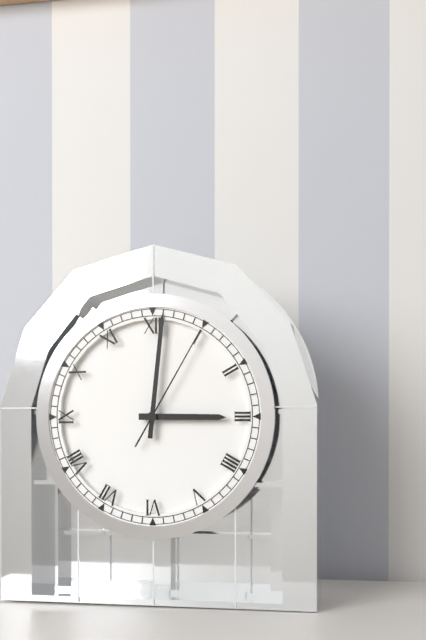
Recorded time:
{"hour": 3, "minute": 1, "second": 5}
